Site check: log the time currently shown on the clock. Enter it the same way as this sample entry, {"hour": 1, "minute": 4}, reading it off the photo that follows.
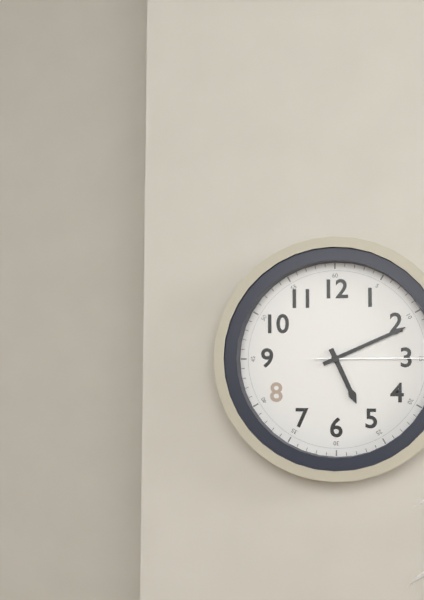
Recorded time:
{"hour": 5, "minute": 11}
